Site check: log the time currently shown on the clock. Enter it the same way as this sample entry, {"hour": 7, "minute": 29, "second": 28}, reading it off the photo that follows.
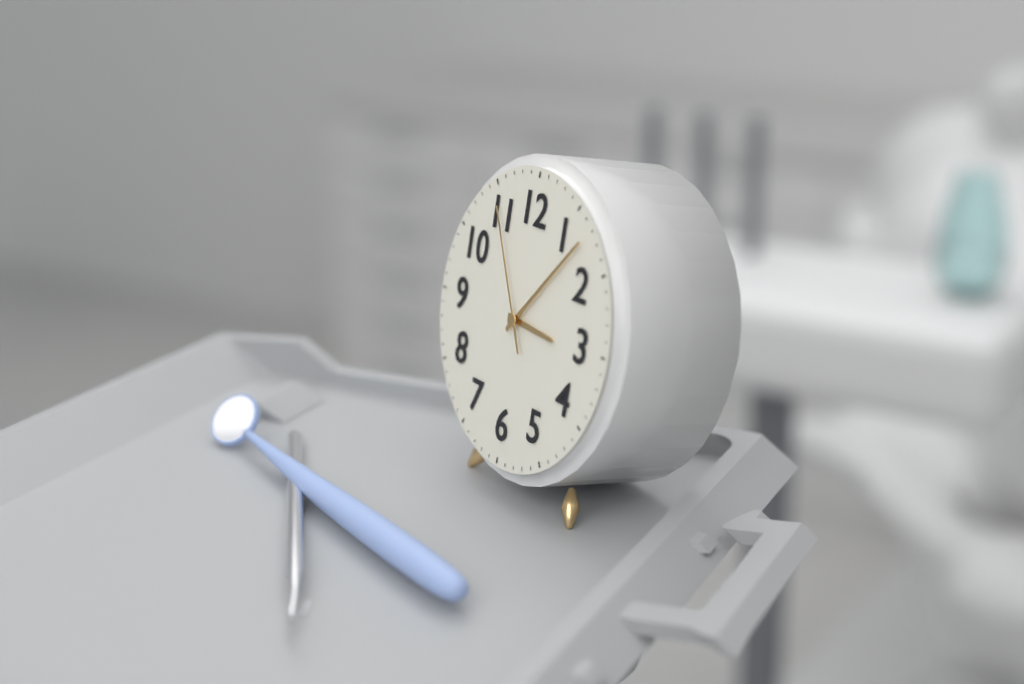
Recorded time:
{"hour": 3, "minute": 7, "second": 55}
